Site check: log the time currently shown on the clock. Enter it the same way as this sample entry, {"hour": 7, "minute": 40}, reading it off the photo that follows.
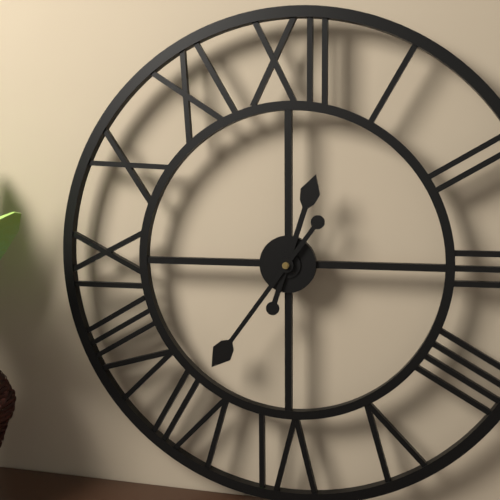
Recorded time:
{"hour": 12, "minute": 36}
